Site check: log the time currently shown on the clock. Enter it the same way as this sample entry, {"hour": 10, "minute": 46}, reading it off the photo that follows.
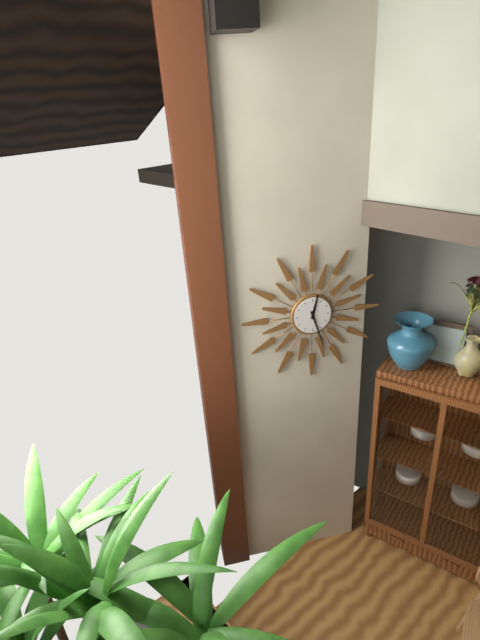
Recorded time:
{"hour": 12, "minute": 27}
